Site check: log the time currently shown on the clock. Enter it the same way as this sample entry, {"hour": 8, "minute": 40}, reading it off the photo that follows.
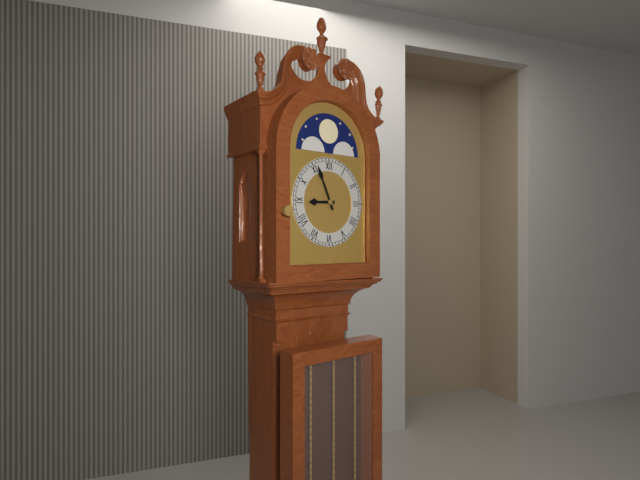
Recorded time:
{"hour": 8, "minute": 56}
